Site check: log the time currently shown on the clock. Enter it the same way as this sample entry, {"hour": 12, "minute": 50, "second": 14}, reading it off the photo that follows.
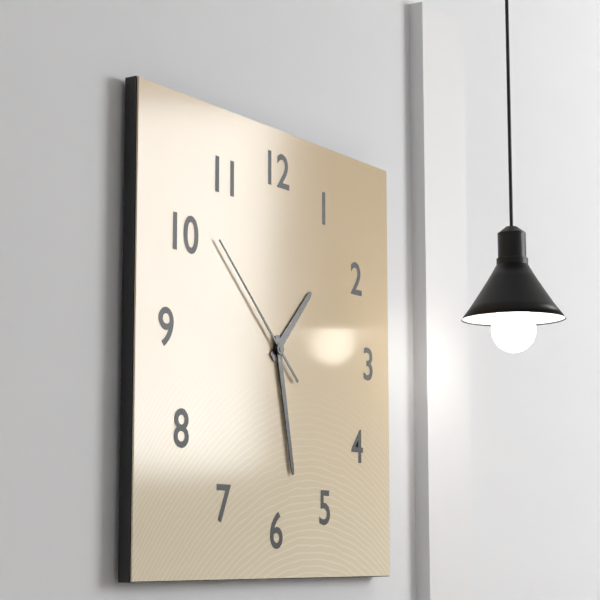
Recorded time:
{"hour": 1, "minute": 28, "second": 52}
